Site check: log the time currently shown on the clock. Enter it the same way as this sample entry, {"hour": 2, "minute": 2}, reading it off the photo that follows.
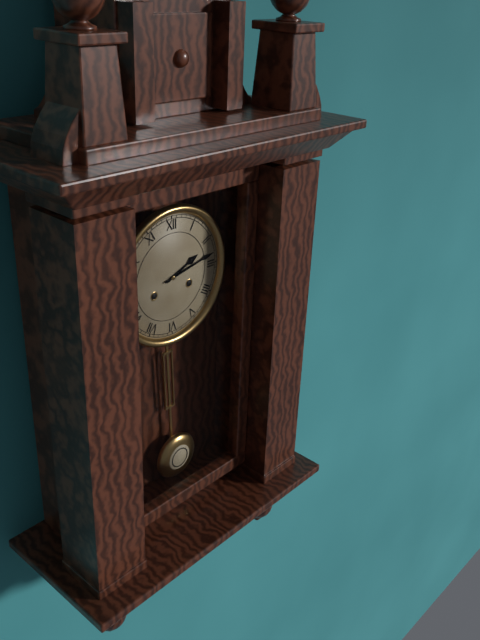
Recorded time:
{"hour": 2, "minute": 13}
